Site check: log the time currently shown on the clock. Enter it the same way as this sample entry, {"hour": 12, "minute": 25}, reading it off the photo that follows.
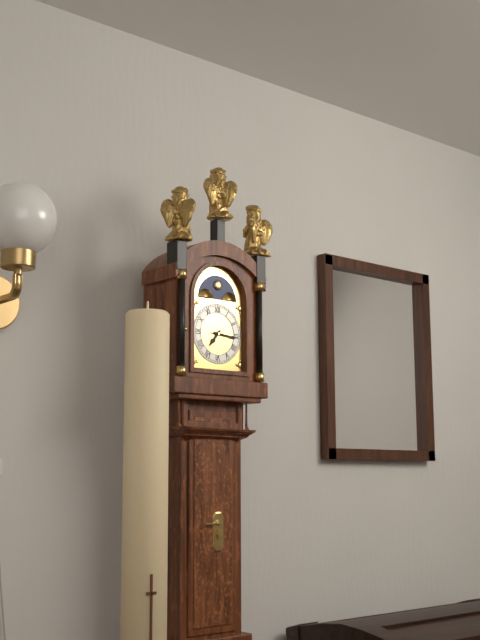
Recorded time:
{"hour": 7, "minute": 16}
